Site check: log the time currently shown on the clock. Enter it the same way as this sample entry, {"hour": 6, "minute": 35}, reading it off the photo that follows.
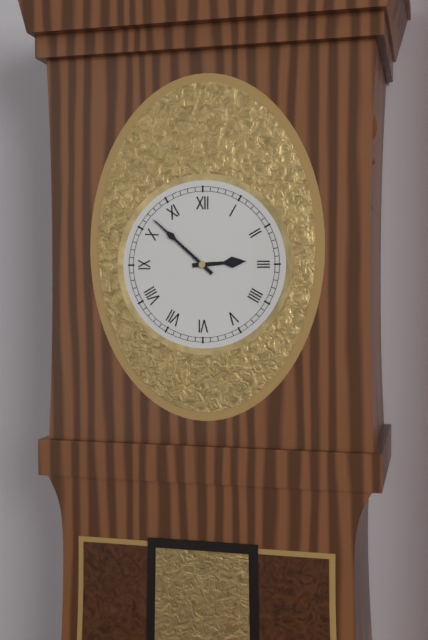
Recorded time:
{"hour": 2, "minute": 52}
